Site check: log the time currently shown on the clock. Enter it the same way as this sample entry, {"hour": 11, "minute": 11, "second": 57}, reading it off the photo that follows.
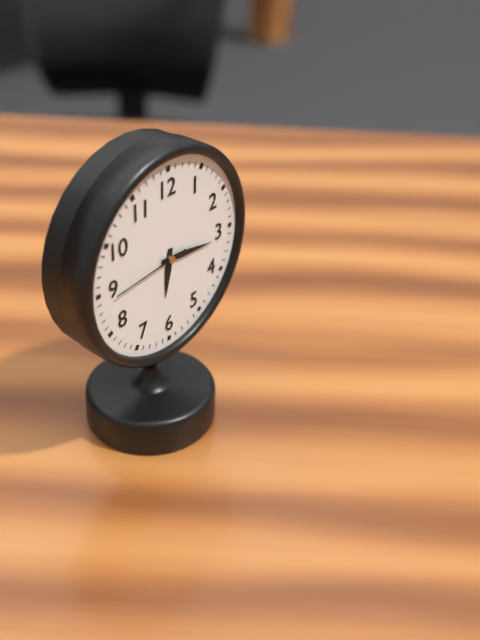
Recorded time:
{"hour": 6, "minute": 16, "second": 44}
